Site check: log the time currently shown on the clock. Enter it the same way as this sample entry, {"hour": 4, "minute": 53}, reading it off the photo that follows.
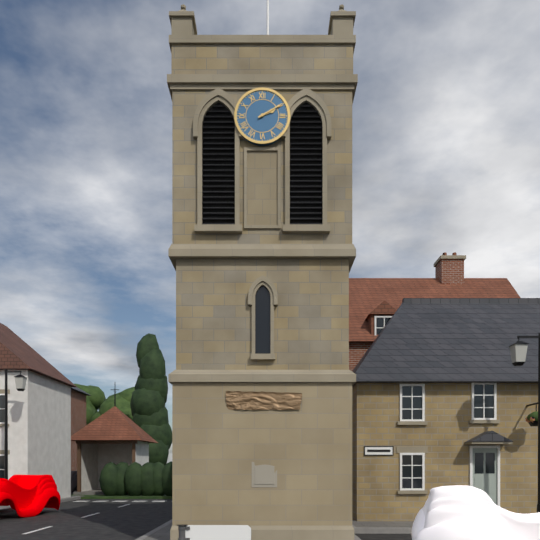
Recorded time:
{"hour": 2, "minute": 10}
